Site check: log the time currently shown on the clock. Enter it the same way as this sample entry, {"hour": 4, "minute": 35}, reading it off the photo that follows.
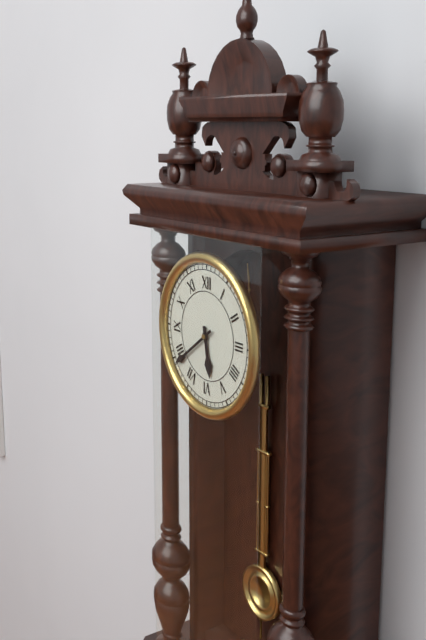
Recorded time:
{"hour": 5, "minute": 39}
